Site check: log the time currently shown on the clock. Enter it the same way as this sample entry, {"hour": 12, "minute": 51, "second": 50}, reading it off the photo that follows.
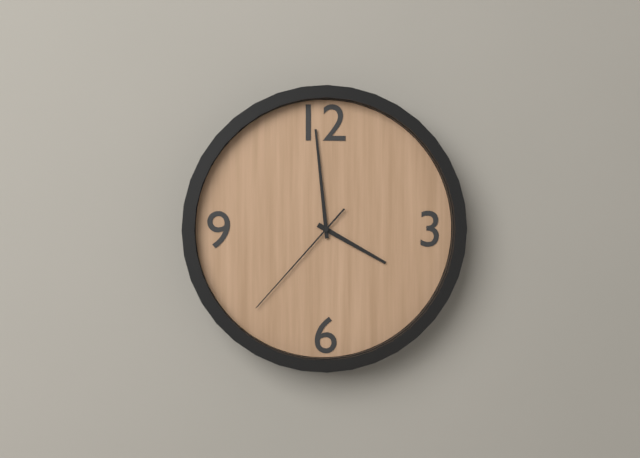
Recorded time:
{"hour": 3, "minute": 59, "second": 37}
